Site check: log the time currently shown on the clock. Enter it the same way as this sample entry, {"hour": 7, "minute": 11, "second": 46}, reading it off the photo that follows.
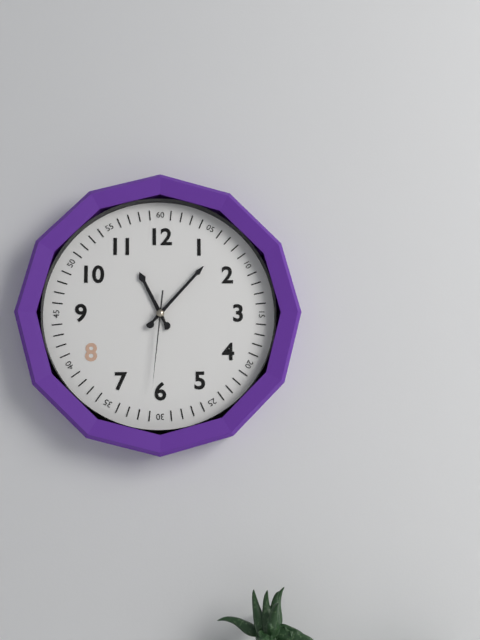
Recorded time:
{"hour": 11, "minute": 7, "second": 31}
